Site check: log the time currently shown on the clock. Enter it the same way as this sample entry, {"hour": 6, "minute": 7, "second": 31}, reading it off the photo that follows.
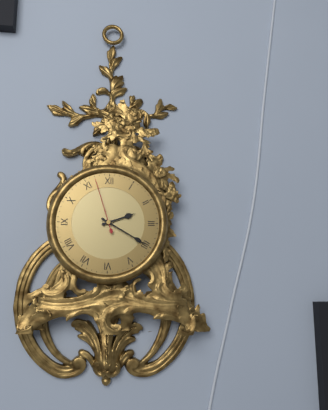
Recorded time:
{"hour": 2, "minute": 20, "second": 57}
